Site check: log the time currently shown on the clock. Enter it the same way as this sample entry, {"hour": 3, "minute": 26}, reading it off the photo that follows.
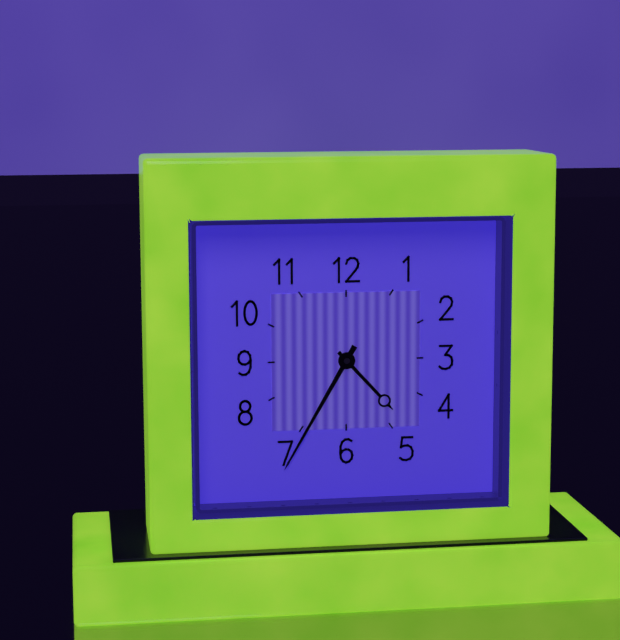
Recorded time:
{"hour": 4, "minute": 35}
